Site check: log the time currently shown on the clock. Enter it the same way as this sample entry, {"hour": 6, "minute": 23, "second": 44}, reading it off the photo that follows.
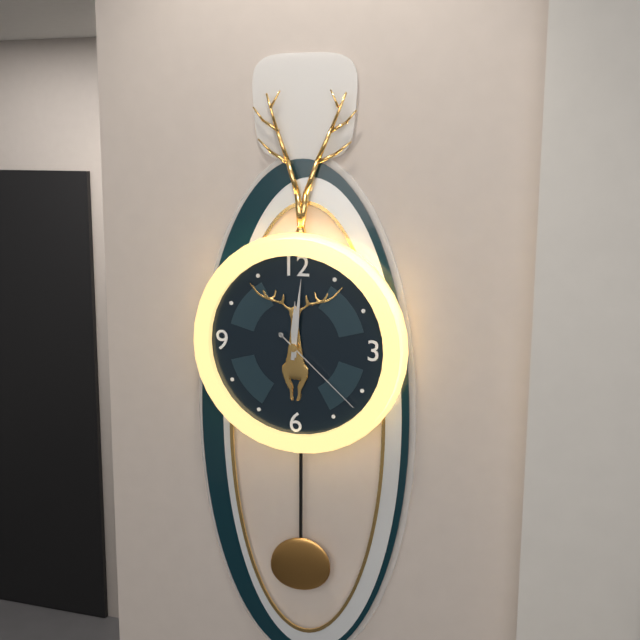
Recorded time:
{"hour": 12, "minute": 1, "second": 22}
